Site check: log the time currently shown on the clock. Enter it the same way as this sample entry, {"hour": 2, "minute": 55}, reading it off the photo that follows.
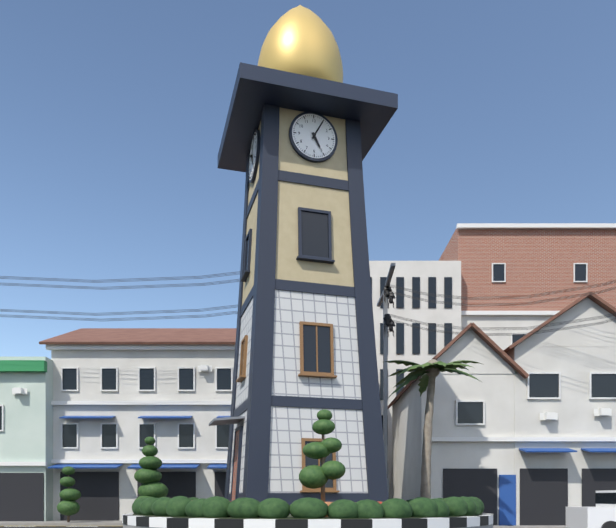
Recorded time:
{"hour": 5, "minute": 5}
